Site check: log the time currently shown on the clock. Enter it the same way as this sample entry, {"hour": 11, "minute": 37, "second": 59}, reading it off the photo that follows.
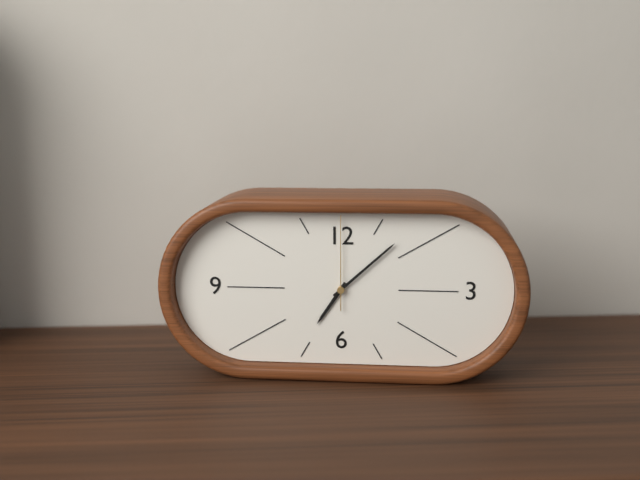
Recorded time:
{"hour": 7, "minute": 8, "second": 0}
